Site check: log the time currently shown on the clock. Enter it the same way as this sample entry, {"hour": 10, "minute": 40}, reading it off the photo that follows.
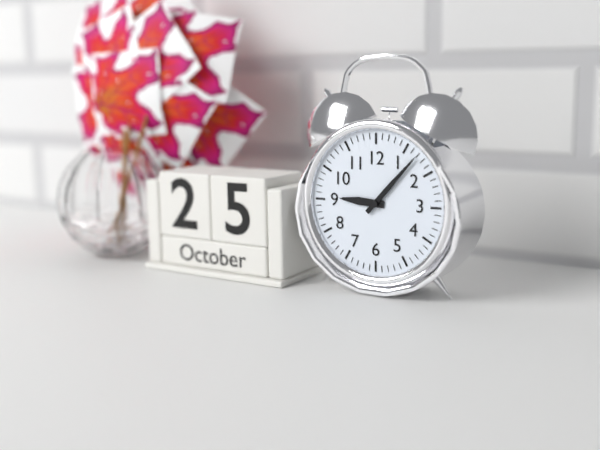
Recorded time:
{"hour": 9, "minute": 7}
